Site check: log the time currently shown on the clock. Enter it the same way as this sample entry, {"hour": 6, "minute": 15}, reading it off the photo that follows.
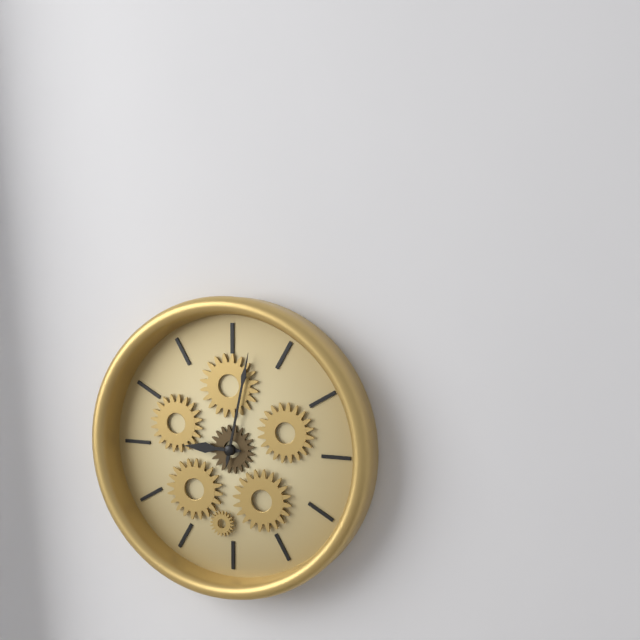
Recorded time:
{"hour": 9, "minute": 2}
